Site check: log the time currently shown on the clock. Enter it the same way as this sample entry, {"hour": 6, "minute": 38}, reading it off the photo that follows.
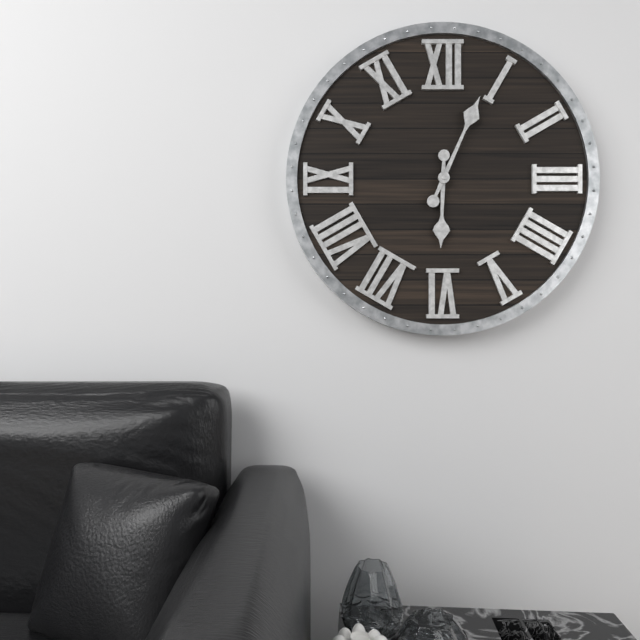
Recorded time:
{"hour": 6, "minute": 4}
